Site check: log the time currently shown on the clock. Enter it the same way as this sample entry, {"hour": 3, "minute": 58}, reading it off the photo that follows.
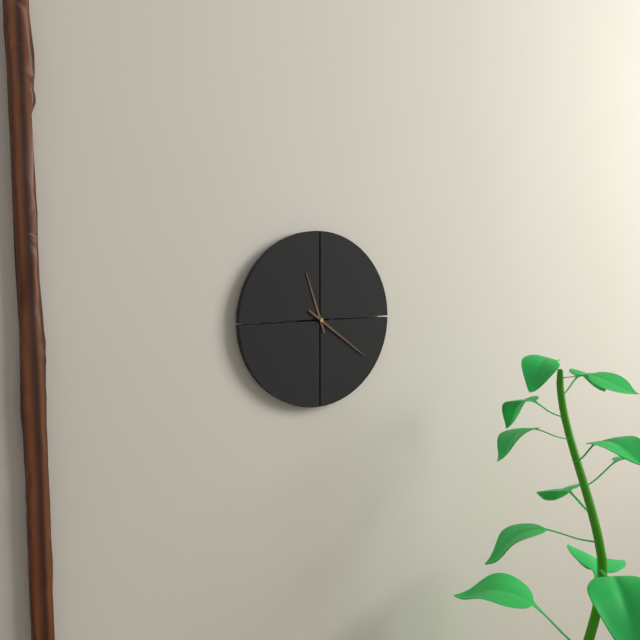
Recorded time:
{"hour": 11, "minute": 21}
